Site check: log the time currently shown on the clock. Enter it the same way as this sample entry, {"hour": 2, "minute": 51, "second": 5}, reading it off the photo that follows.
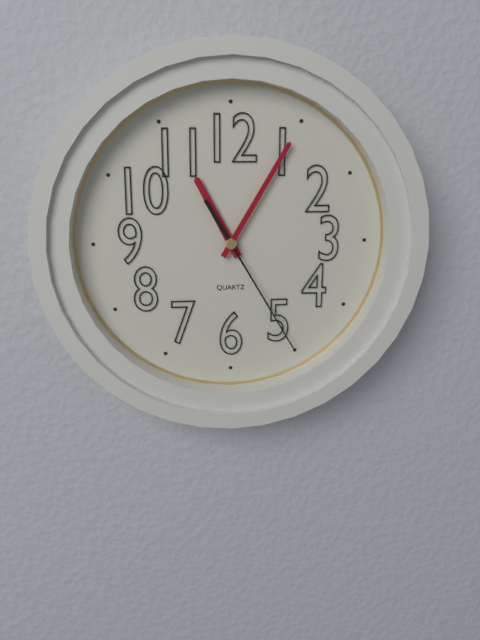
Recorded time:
{"hour": 11, "minute": 5, "second": 25}
